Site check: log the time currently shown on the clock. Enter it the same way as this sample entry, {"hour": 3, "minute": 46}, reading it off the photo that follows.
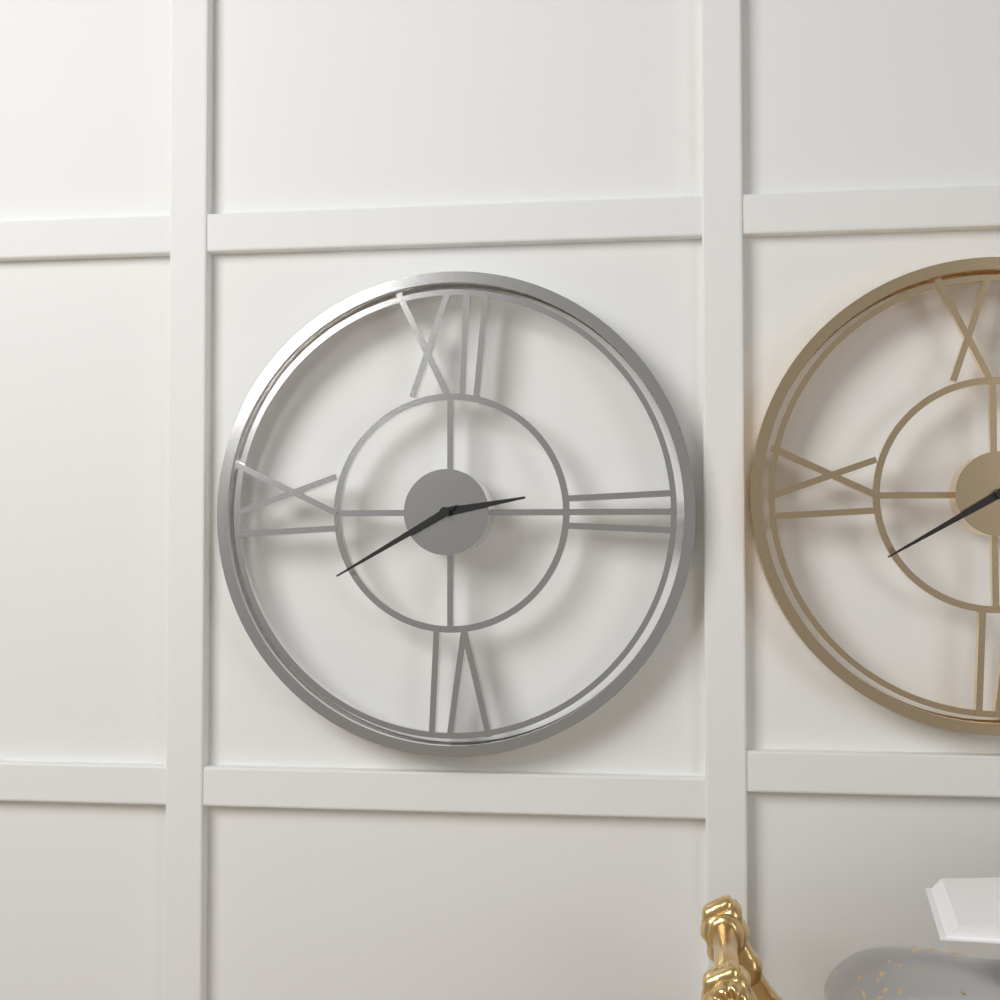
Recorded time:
{"hour": 2, "minute": 40}
